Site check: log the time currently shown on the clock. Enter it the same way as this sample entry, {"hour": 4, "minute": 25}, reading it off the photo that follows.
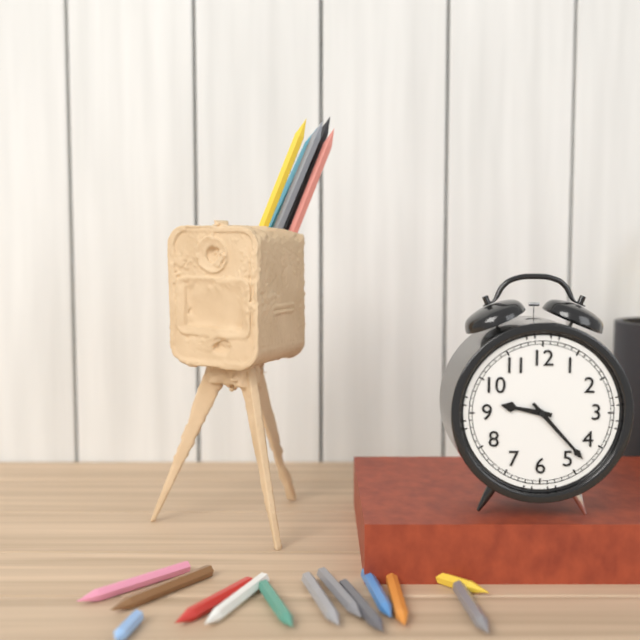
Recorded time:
{"hour": 9, "minute": 23}
